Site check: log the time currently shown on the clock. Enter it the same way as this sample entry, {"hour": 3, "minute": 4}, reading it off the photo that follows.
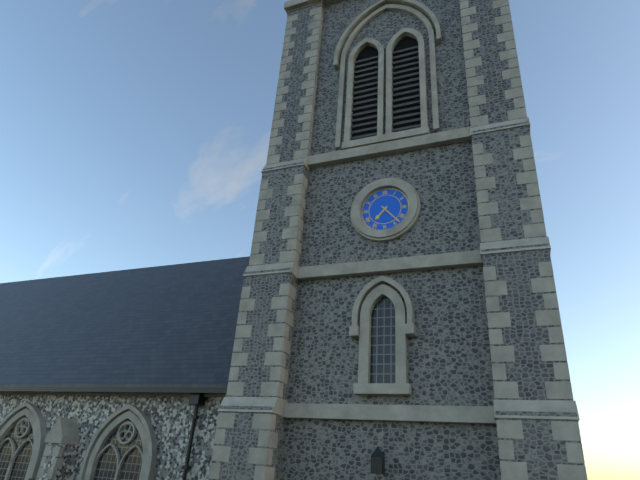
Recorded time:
{"hour": 7, "minute": 23}
